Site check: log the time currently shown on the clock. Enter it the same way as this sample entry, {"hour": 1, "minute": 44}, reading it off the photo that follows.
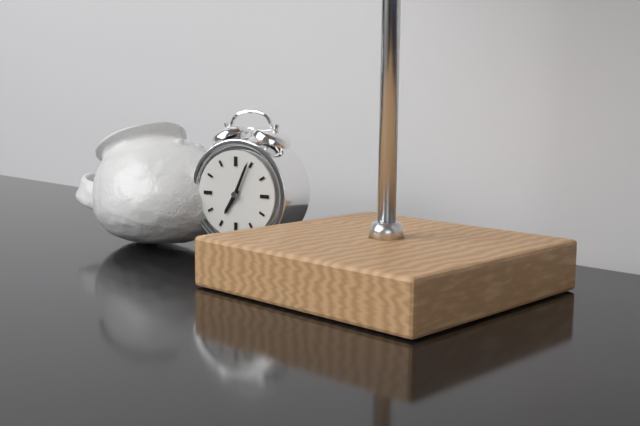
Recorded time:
{"hour": 7, "minute": 4}
